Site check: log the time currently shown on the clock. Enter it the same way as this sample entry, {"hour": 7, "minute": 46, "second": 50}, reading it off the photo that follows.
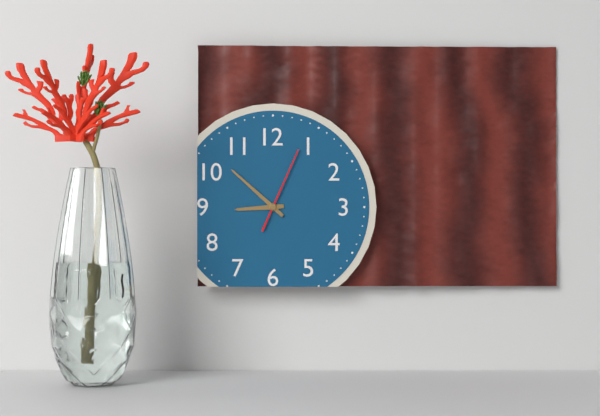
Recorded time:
{"hour": 8, "minute": 52, "second": 4}
